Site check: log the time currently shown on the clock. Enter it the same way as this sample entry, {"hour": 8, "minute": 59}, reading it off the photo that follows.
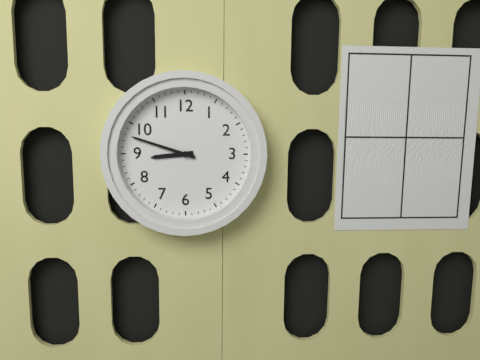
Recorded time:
{"hour": 8, "minute": 48}
